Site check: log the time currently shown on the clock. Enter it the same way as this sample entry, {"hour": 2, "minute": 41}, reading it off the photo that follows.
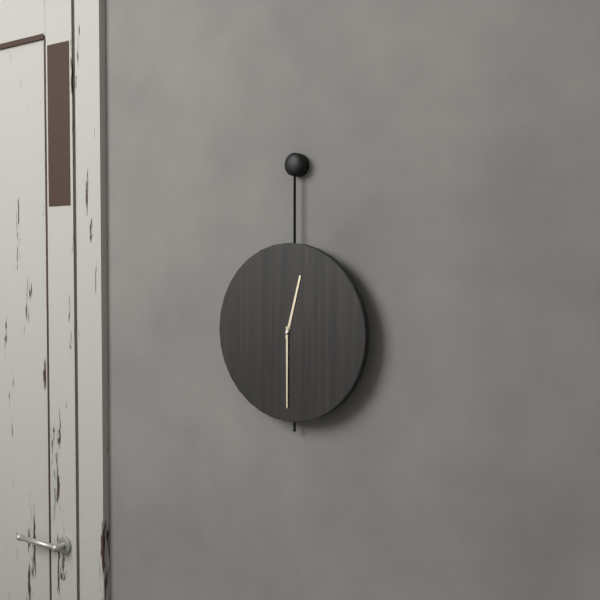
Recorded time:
{"hour": 12, "minute": 30}
